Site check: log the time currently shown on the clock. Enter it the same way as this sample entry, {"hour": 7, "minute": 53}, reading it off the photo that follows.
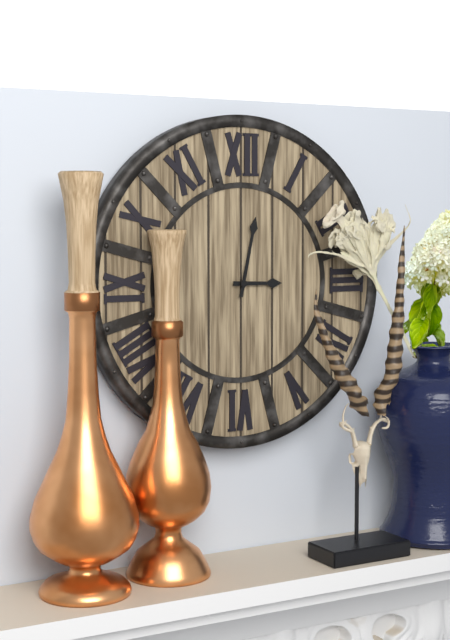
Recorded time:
{"hour": 3, "minute": 2}
